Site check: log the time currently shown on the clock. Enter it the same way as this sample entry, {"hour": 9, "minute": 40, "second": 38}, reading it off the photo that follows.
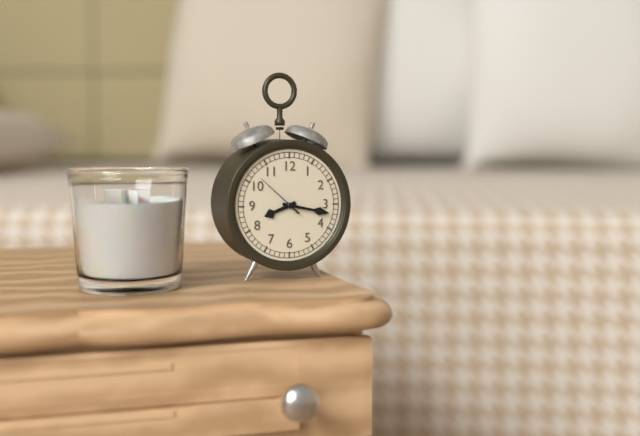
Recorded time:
{"hour": 8, "minute": 17, "second": 52}
